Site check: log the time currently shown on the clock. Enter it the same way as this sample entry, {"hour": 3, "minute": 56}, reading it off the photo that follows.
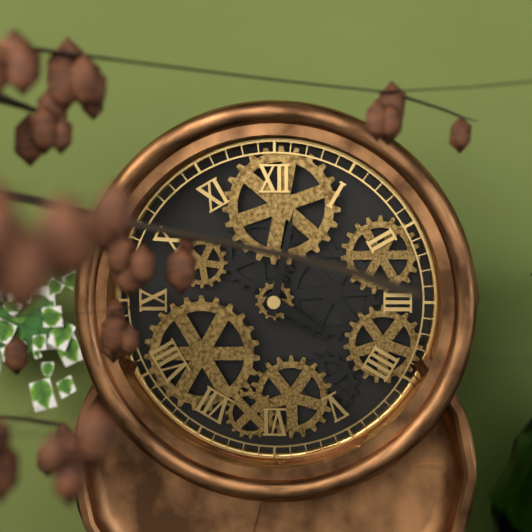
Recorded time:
{"hour": 4, "minute": 2}
